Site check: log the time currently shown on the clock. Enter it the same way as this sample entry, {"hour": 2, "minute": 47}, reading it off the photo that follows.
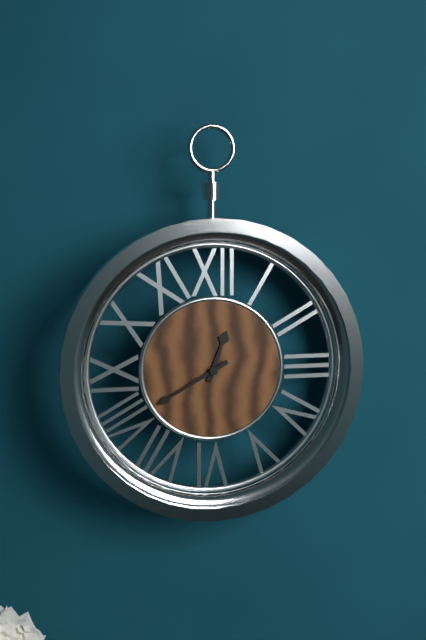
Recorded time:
{"hour": 12, "minute": 40}
